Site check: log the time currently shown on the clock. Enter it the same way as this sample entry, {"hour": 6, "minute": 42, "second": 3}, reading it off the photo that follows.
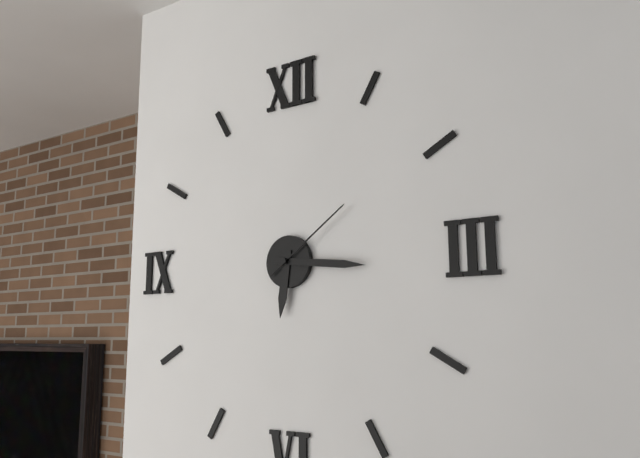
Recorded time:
{"hour": 6, "minute": 16, "second": 9}
